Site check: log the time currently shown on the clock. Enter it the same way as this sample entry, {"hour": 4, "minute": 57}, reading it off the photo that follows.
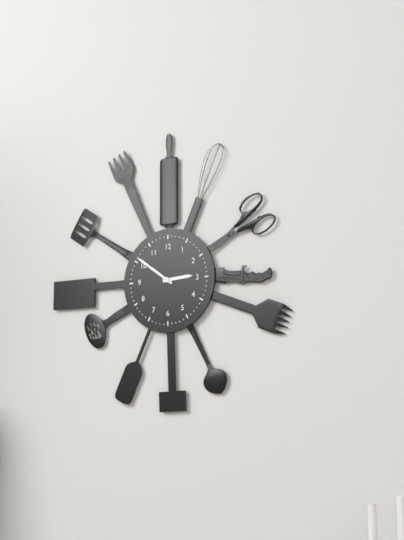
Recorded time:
{"hour": 2, "minute": 51}
